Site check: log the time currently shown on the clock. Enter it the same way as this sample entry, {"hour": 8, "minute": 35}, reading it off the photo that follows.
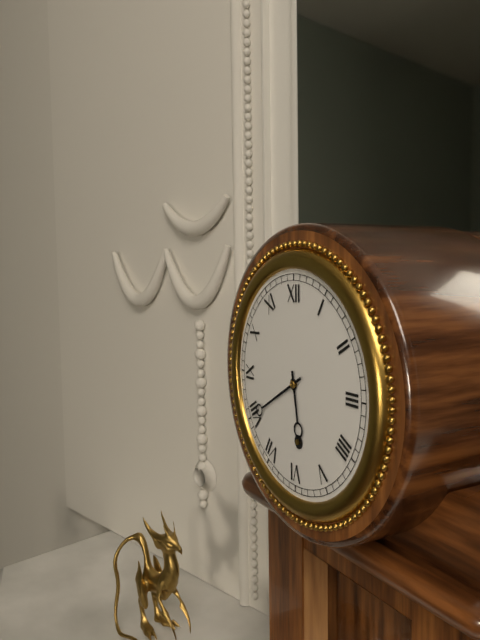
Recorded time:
{"hour": 5, "minute": 40}
